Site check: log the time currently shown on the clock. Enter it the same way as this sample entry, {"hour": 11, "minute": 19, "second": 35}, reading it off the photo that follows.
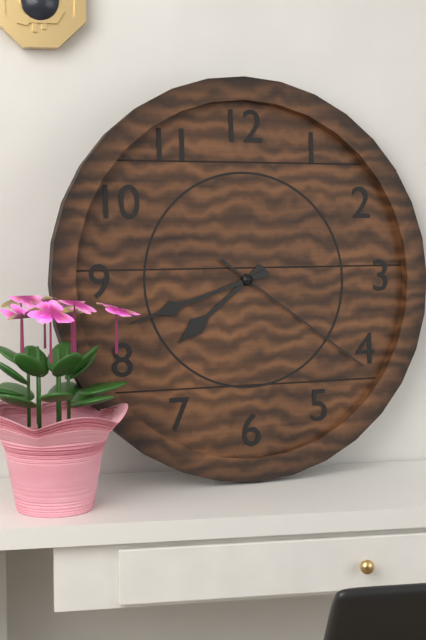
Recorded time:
{"hour": 7, "minute": 42, "second": 21}
